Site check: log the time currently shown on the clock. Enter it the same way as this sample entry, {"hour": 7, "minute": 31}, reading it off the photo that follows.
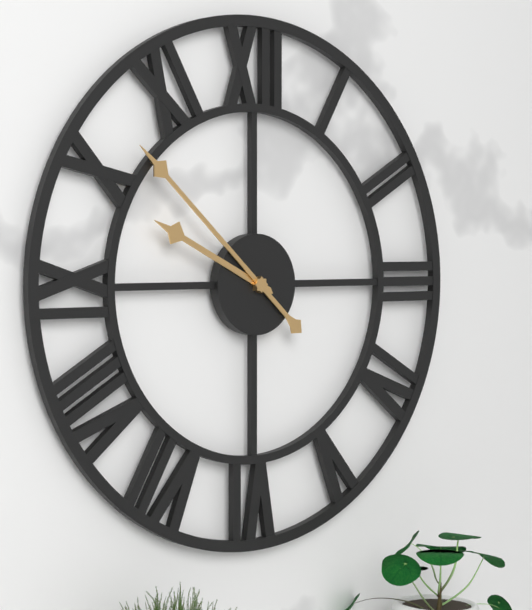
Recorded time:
{"hour": 9, "minute": 52}
